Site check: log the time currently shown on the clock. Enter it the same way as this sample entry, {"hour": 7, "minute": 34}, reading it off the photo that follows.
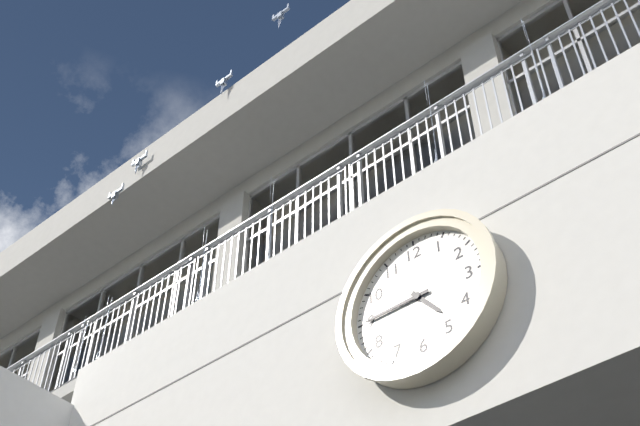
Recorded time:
{"hour": 4, "minute": 45}
